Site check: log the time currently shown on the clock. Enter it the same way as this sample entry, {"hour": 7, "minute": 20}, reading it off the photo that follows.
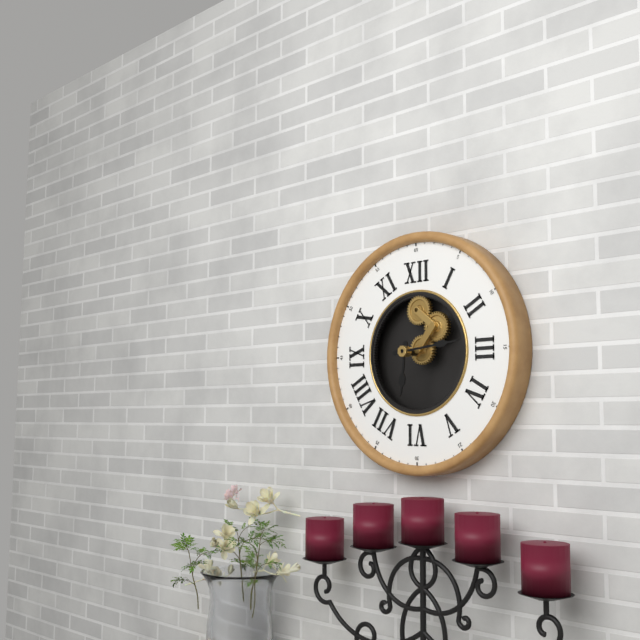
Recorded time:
{"hour": 6, "minute": 14}
